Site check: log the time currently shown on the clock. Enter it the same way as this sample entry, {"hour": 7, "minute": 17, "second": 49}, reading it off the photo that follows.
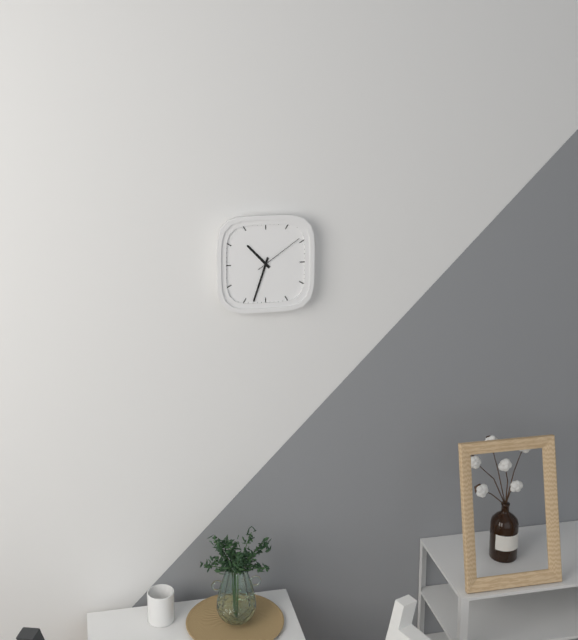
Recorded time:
{"hour": 10, "minute": 33, "second": 9}
